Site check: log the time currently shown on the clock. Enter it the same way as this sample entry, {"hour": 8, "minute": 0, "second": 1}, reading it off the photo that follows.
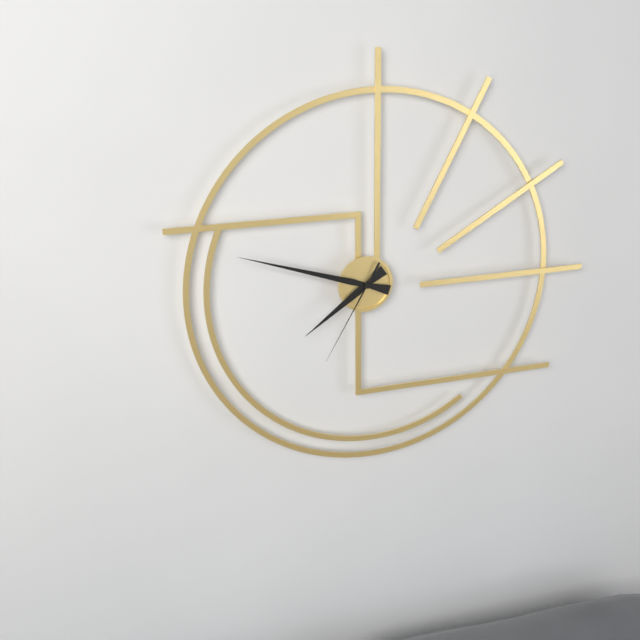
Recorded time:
{"hour": 7, "minute": 48, "second": 35}
